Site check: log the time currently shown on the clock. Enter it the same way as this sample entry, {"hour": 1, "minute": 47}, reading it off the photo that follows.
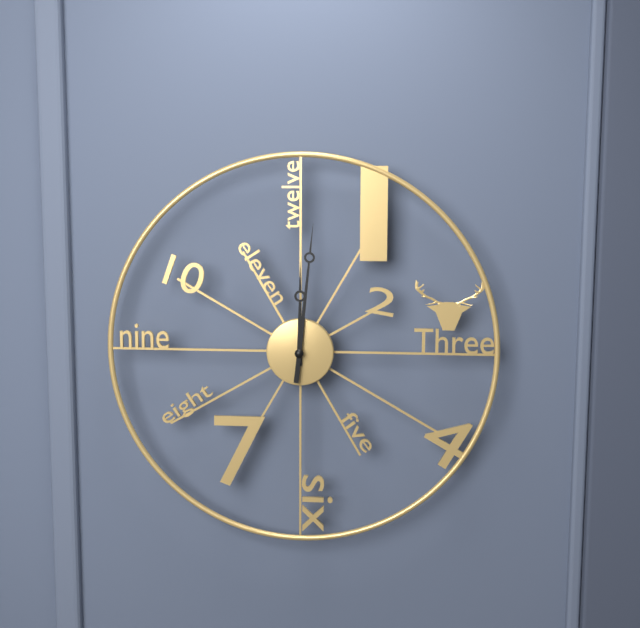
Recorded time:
{"hour": 12, "minute": 1}
